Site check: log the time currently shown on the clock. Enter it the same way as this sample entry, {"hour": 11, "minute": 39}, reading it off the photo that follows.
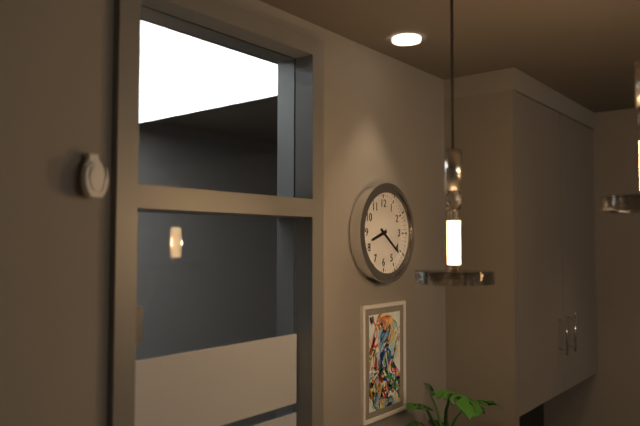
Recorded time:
{"hour": 8, "minute": 21}
